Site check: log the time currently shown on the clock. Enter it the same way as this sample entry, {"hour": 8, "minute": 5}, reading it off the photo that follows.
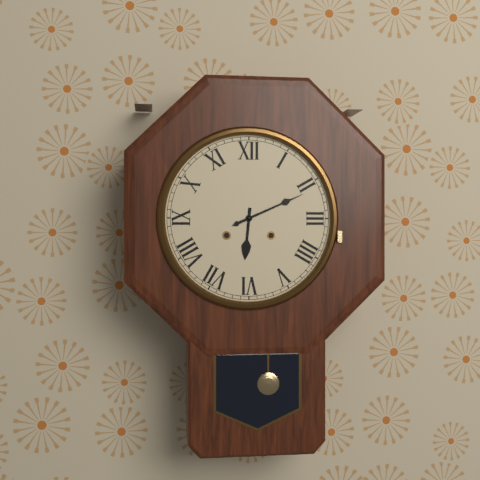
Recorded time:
{"hour": 6, "minute": 11}
